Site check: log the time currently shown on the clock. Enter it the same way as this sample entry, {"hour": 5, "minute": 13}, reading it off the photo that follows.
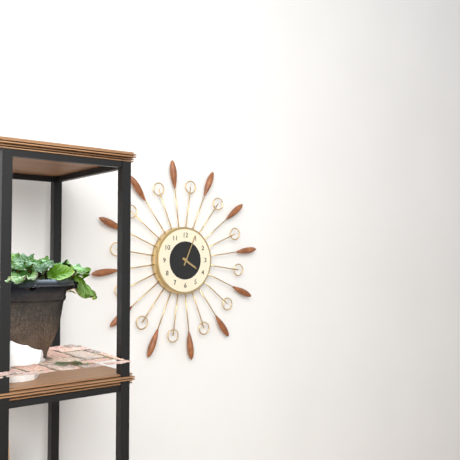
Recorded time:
{"hour": 4, "minute": 4}
